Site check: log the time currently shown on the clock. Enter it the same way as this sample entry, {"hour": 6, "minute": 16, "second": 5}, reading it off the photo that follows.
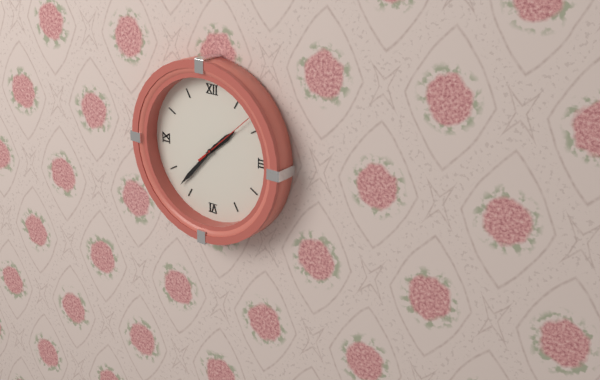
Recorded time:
{"hour": 1, "minute": 37, "second": 8}
